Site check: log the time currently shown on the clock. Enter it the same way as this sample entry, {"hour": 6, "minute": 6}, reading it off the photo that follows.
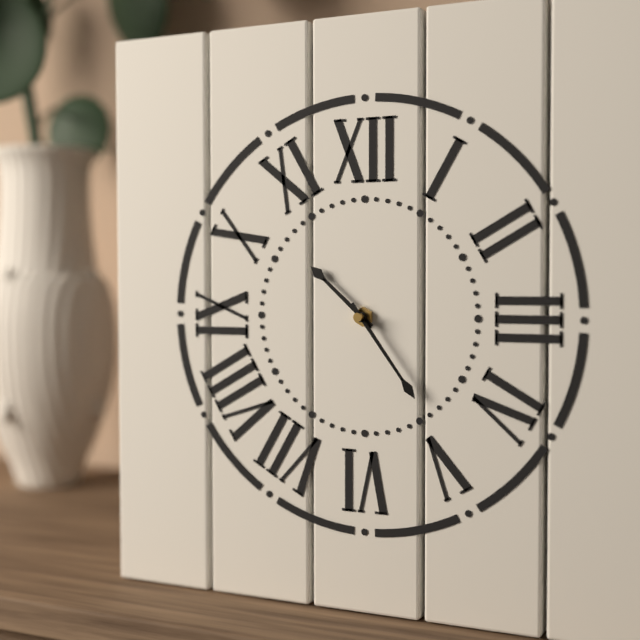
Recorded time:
{"hour": 10, "minute": 24}
